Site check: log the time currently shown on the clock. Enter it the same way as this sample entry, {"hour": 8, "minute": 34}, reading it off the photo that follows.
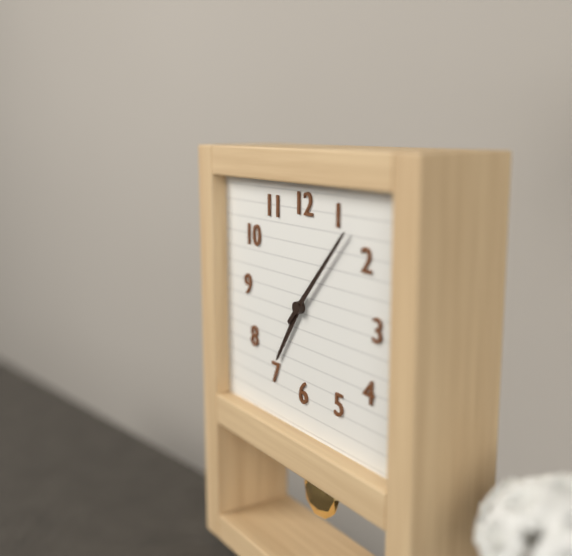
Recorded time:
{"hour": 7, "minute": 7}
